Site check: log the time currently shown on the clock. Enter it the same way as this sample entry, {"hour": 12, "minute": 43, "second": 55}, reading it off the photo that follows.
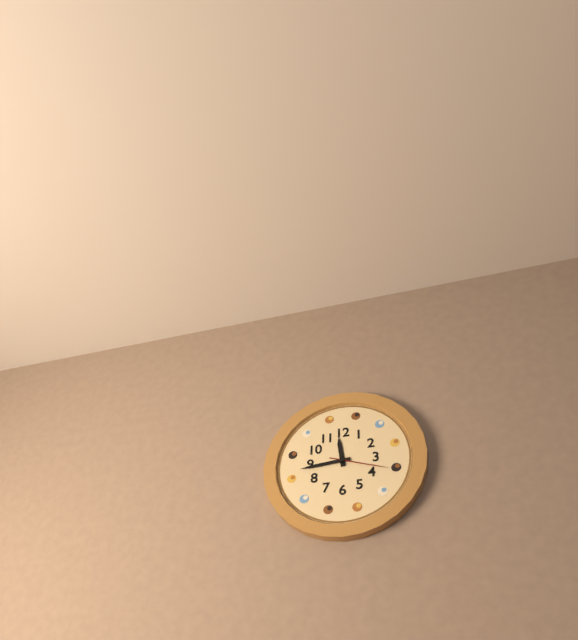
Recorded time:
{"hour": 11, "minute": 44, "second": 18}
